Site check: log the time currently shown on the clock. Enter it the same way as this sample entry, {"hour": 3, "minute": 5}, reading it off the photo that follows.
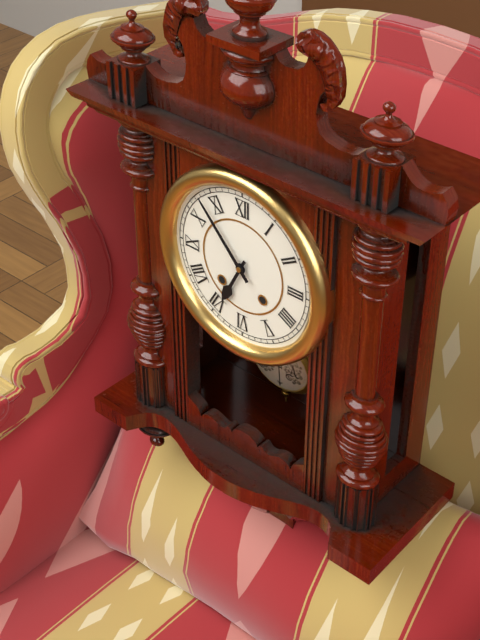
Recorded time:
{"hour": 6, "minute": 53}
